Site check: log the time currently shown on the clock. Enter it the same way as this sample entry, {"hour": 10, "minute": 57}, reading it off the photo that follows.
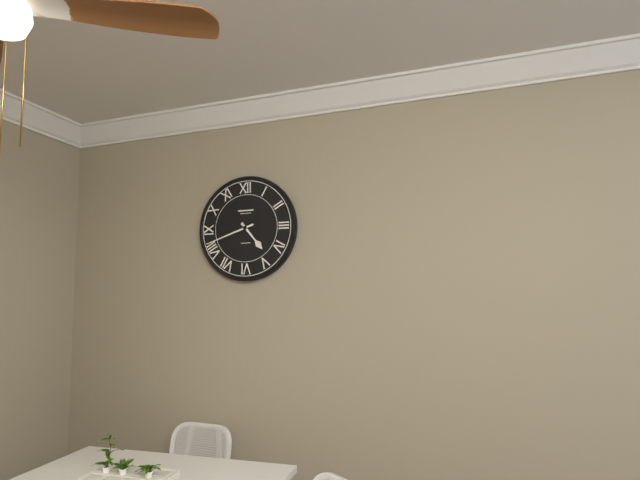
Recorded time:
{"hour": 4, "minute": 42}
